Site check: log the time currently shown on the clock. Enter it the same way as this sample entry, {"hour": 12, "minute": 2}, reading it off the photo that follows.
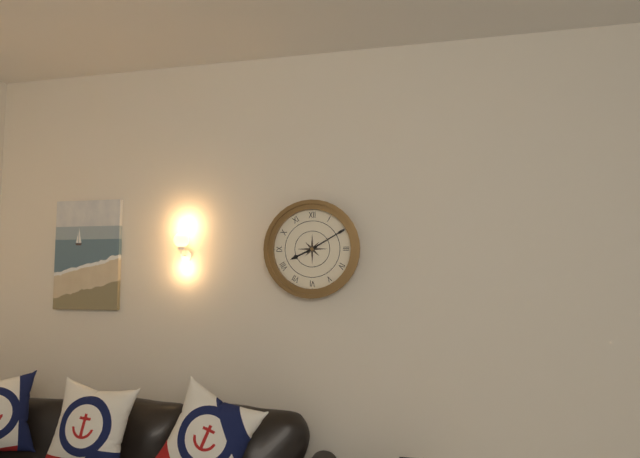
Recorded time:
{"hour": 8, "minute": 10}
